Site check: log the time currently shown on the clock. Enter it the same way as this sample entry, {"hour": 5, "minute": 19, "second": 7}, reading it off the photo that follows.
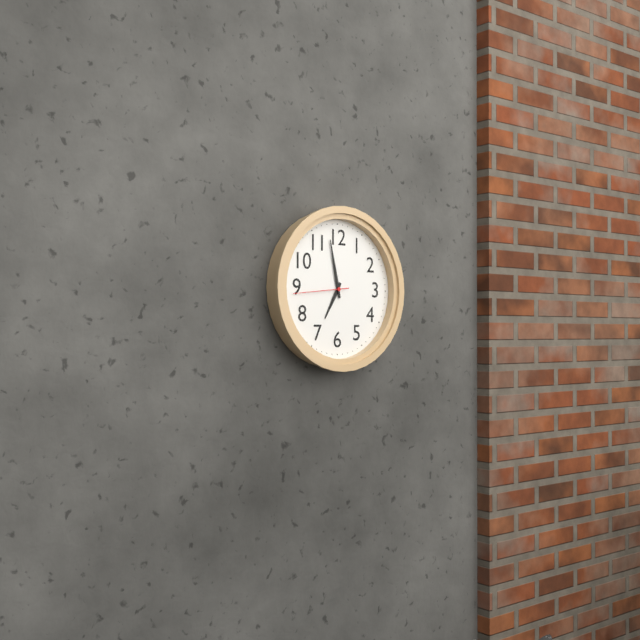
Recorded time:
{"hour": 6, "minute": 58, "second": 44}
